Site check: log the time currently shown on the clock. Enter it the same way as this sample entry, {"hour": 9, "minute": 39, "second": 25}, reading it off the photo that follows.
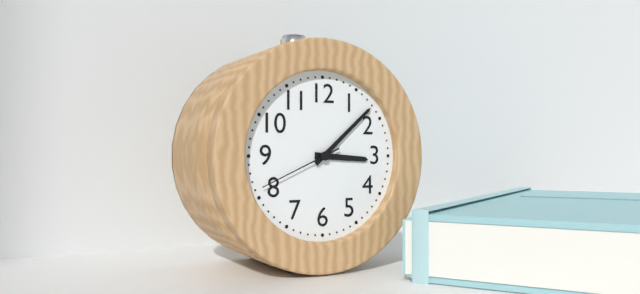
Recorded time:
{"hour": 3, "minute": 8, "second": 41}
